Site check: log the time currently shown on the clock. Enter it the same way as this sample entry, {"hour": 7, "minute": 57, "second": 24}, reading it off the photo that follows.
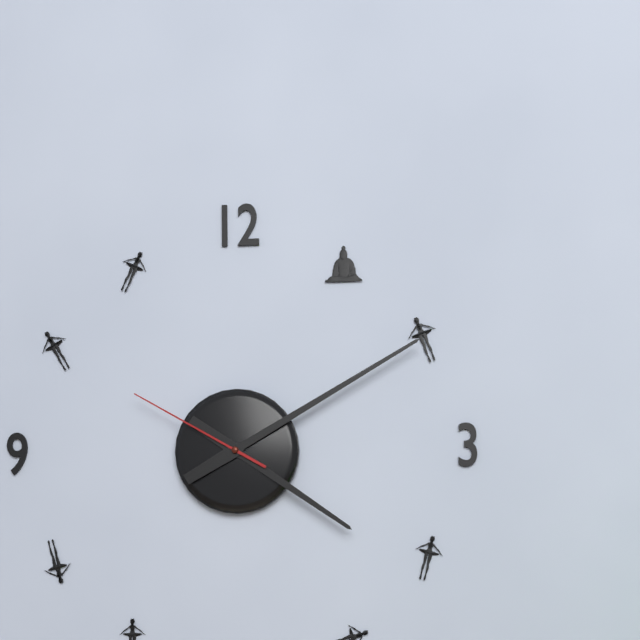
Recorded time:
{"hour": 4, "minute": 10, "second": 50}
